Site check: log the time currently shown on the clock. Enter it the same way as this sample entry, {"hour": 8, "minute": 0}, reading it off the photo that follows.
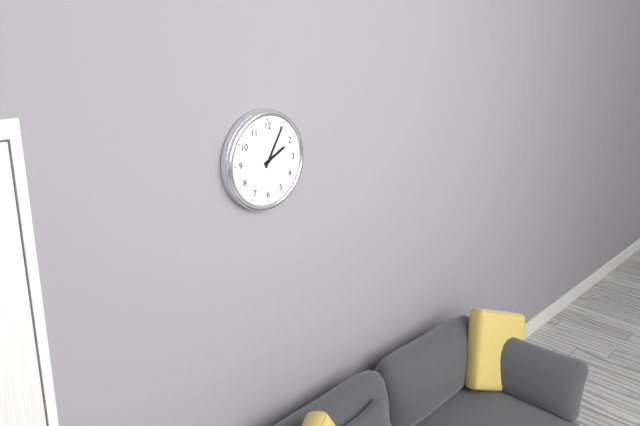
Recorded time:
{"hour": 2, "minute": 5}
